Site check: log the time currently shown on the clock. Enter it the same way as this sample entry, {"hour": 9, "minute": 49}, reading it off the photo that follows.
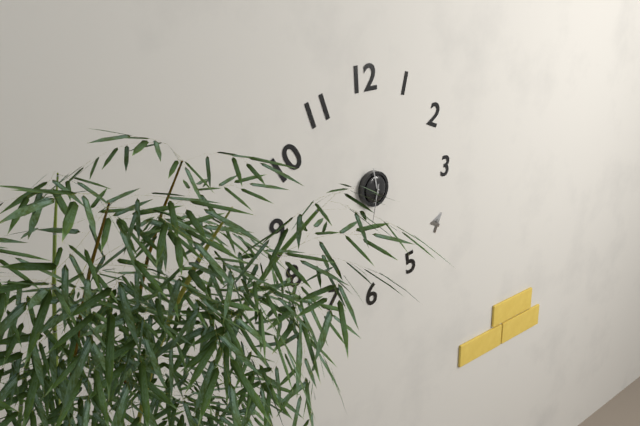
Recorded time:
{"hour": 11, "minute": 32}
